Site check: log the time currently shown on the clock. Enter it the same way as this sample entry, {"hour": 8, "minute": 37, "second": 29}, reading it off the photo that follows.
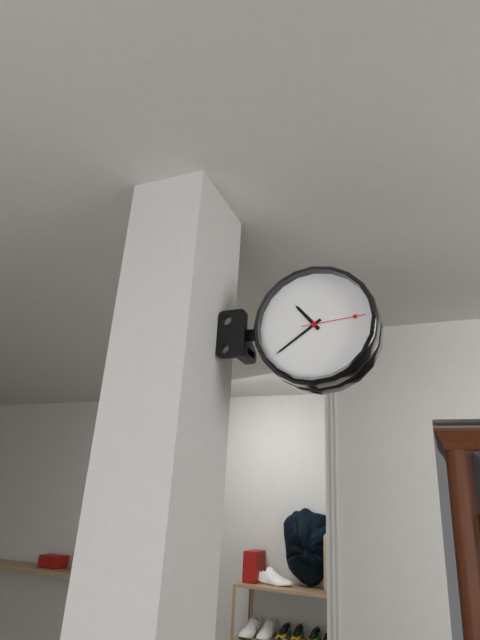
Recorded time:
{"hour": 10, "minute": 39, "second": 14}
